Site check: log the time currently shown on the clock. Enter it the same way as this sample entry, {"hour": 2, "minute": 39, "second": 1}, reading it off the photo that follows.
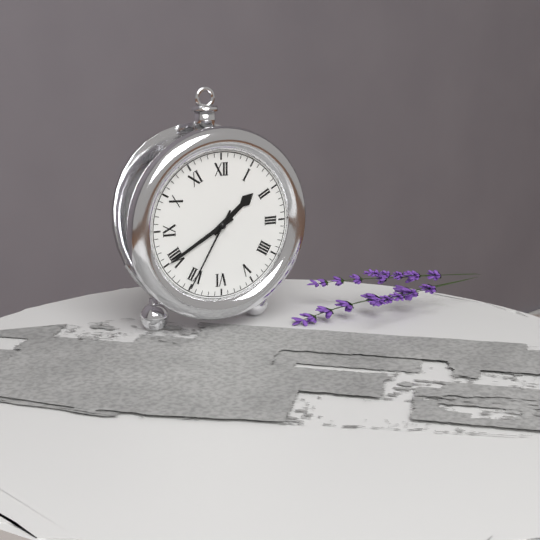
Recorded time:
{"hour": 1, "minute": 40, "second": 35}
